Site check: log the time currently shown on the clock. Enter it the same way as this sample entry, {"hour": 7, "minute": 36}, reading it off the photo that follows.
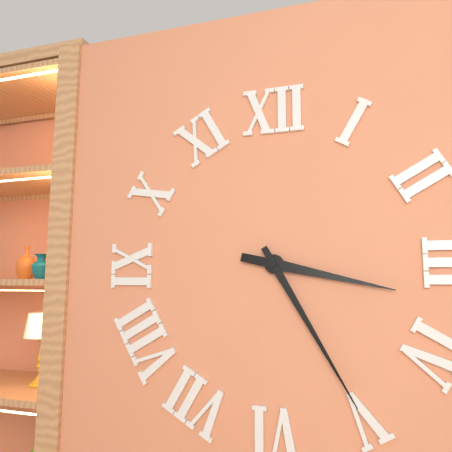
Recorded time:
{"hour": 3, "minute": 25}
